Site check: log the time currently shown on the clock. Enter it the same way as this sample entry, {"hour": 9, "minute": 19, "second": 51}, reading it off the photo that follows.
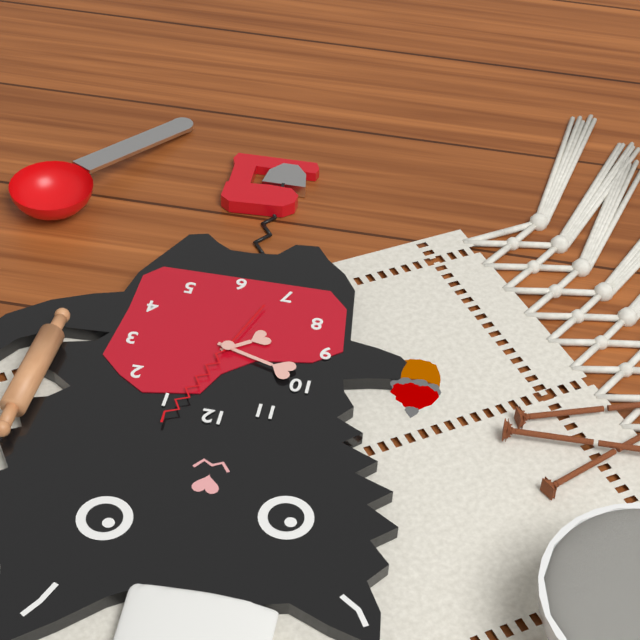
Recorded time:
{"hour": 7, "minute": 48, "second": 3}
